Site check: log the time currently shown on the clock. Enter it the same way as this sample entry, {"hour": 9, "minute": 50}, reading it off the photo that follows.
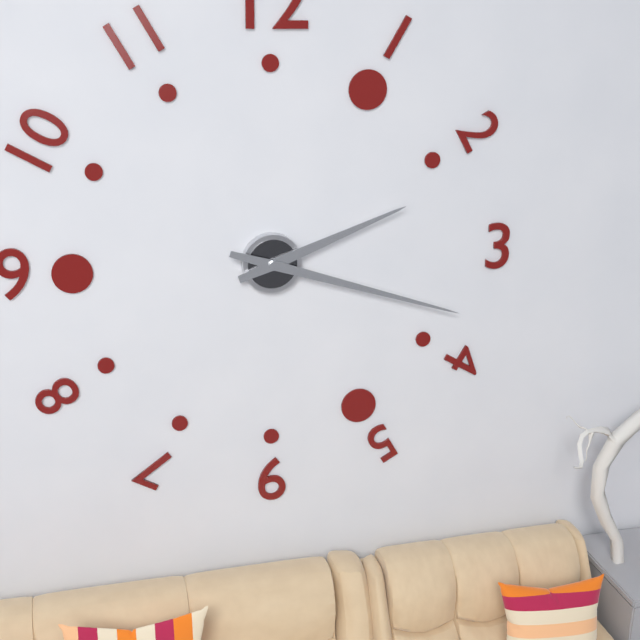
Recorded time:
{"hour": 2, "minute": 18}
